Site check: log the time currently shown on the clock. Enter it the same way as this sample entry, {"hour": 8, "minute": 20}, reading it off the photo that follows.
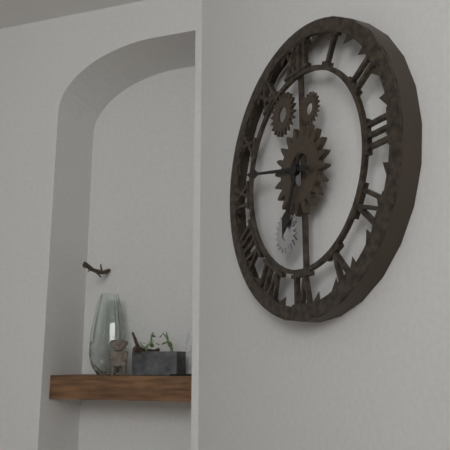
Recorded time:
{"hour": 6, "minute": 47}
